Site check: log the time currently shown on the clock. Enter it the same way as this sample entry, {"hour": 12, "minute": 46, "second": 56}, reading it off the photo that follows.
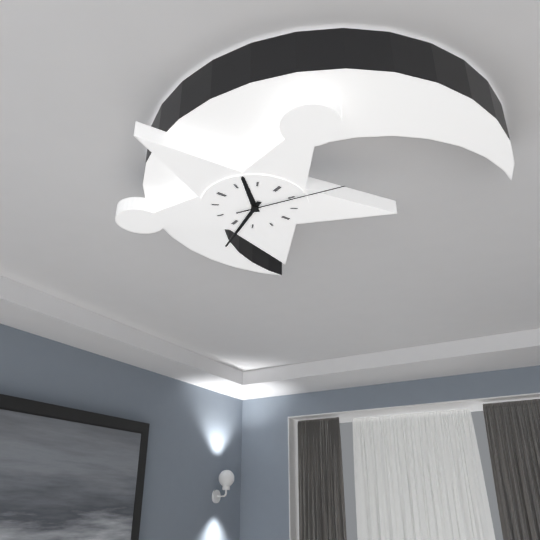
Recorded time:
{"hour": 10, "minute": 28, "second": 5}
